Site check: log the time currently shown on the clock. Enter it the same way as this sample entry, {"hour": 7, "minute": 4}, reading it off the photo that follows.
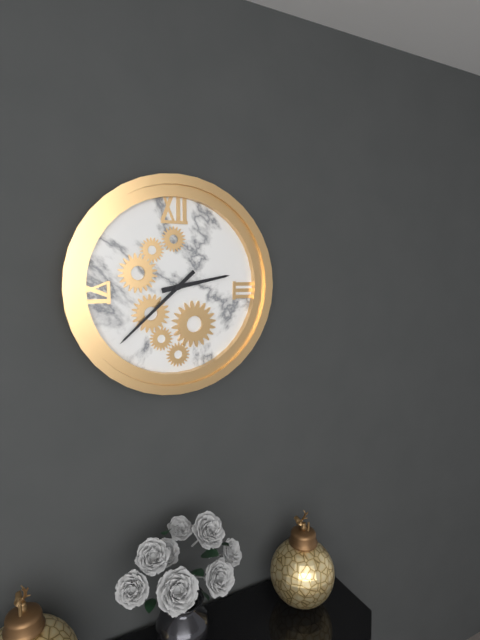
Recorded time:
{"hour": 2, "minute": 38}
